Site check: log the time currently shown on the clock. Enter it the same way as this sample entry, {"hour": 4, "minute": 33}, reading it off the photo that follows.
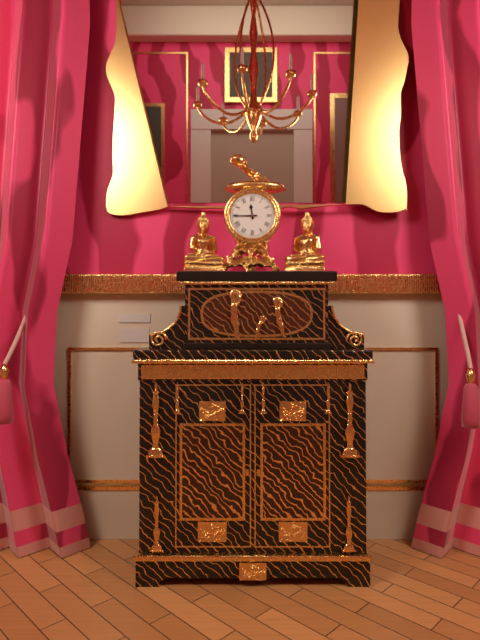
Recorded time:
{"hour": 11, "minute": 45}
